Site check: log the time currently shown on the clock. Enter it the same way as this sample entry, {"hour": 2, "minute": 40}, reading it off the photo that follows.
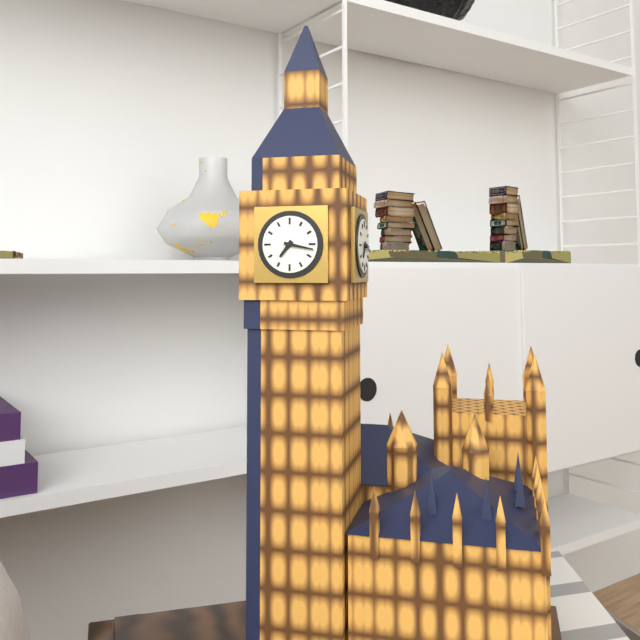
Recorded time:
{"hour": 7, "minute": 17}
